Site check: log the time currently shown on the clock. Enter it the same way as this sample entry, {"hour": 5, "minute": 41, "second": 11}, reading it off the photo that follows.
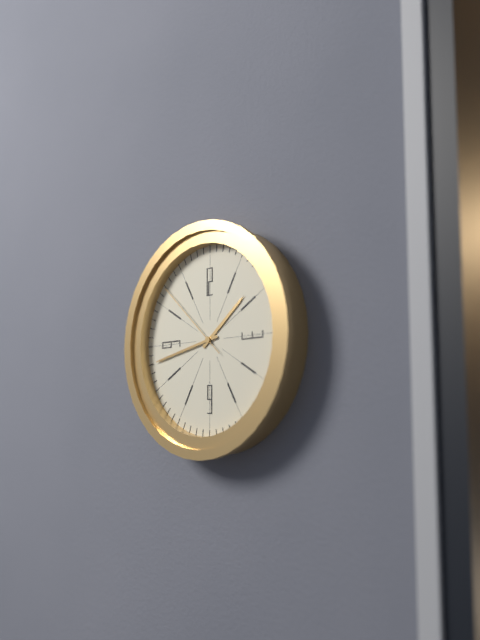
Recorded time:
{"hour": 1, "minute": 43, "second": 52}
